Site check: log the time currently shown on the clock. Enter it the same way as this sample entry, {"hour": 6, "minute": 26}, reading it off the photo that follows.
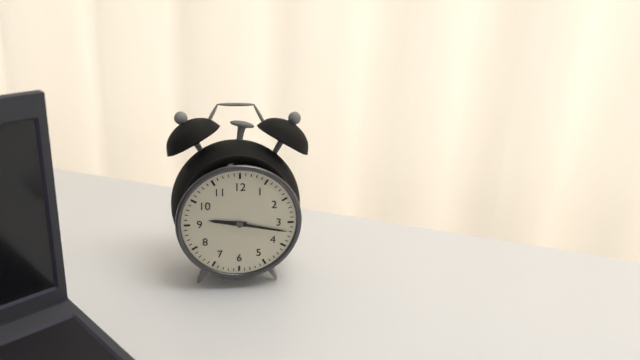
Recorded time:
{"hour": 9, "minute": 17}
